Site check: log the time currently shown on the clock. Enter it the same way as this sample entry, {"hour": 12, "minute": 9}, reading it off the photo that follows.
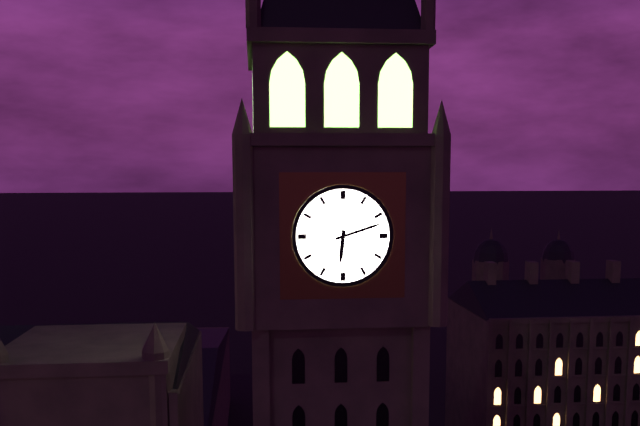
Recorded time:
{"hour": 6, "minute": 12}
